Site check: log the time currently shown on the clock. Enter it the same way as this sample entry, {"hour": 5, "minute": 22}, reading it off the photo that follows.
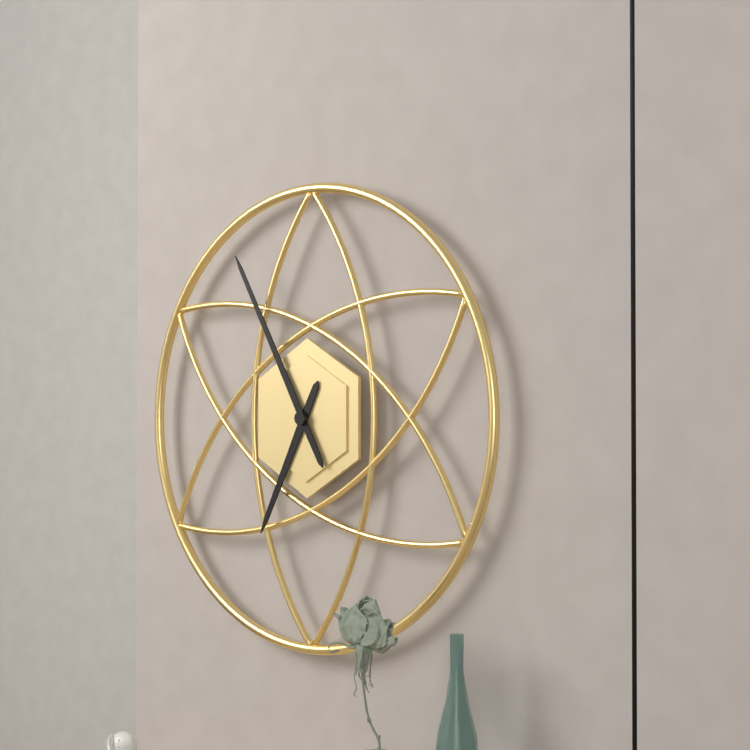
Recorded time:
{"hour": 6, "minute": 55}
